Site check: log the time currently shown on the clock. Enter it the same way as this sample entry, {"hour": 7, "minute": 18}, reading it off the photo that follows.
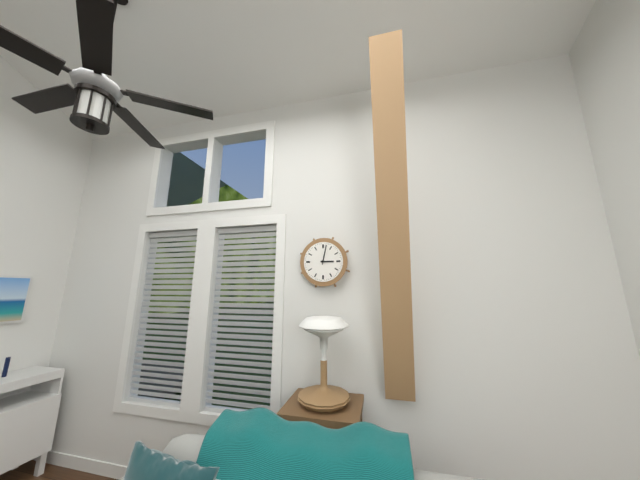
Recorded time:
{"hour": 3, "minute": 2}
